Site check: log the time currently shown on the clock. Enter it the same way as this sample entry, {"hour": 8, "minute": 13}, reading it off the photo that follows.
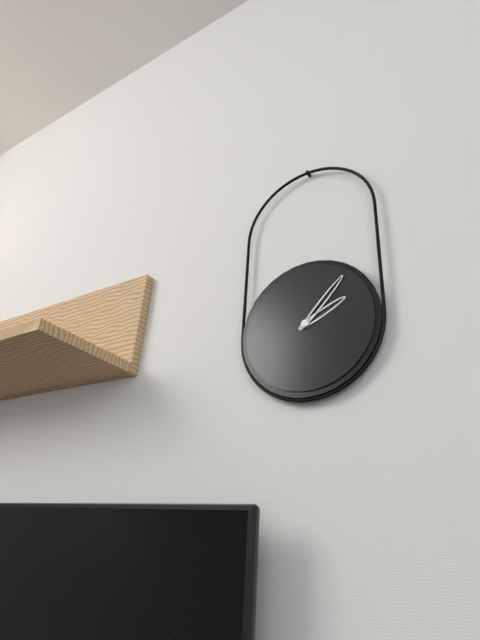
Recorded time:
{"hour": 2, "minute": 7}
